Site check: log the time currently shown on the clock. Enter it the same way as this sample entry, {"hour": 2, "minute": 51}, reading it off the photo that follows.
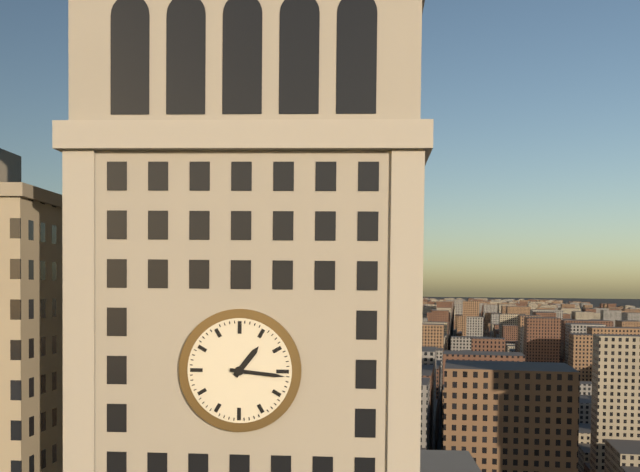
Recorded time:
{"hour": 1, "minute": 16}
